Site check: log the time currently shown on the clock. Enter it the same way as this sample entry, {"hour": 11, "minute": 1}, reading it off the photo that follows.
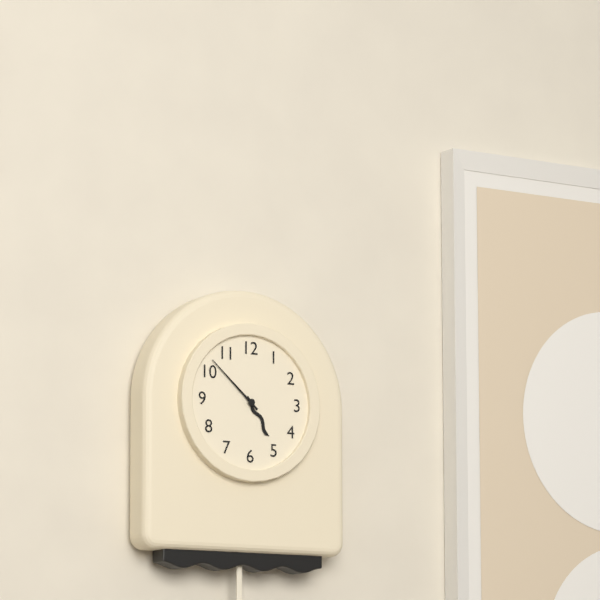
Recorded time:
{"hour": 4, "minute": 52}
